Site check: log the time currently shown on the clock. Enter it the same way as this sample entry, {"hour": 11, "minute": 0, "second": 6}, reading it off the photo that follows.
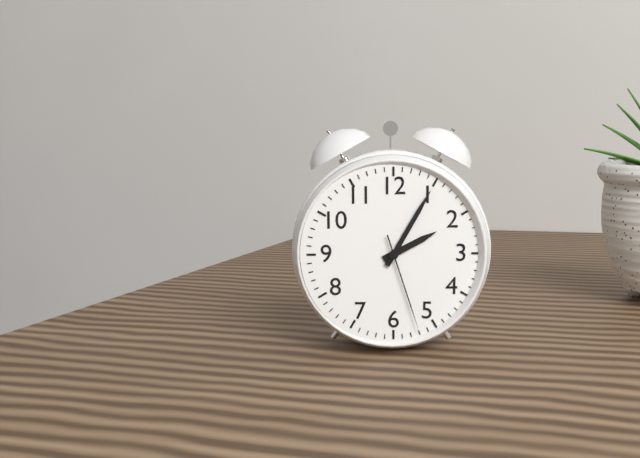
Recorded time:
{"hour": 2, "minute": 5, "second": 27}
